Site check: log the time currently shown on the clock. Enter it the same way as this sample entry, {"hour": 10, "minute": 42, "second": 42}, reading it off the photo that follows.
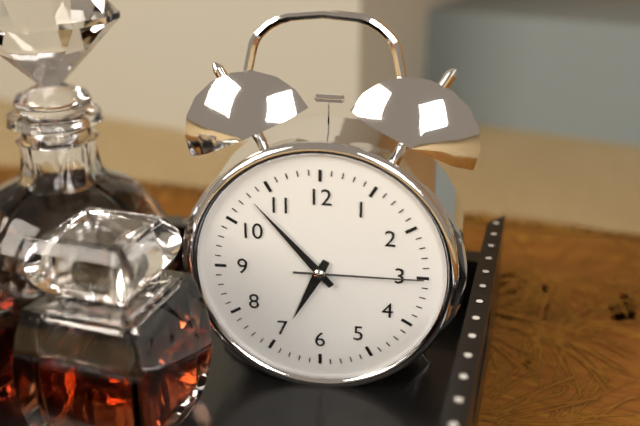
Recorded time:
{"hour": 6, "minute": 53, "second": 15}
